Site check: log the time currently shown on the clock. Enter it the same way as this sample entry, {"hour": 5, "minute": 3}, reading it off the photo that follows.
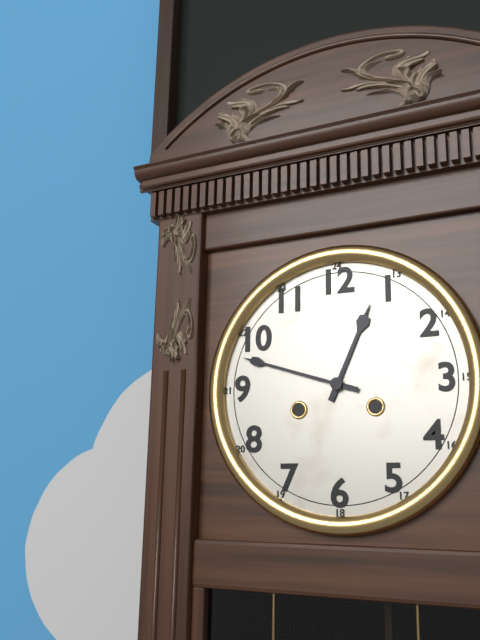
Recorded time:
{"hour": 12, "minute": 48}
